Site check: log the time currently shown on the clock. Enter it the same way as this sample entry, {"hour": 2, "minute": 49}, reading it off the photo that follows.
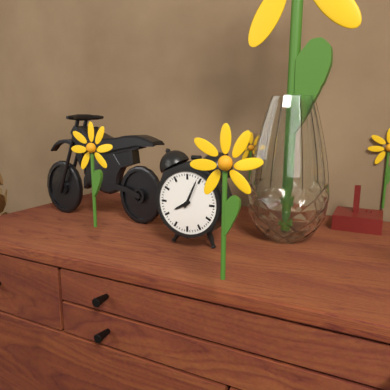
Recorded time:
{"hour": 8, "minute": 4}
